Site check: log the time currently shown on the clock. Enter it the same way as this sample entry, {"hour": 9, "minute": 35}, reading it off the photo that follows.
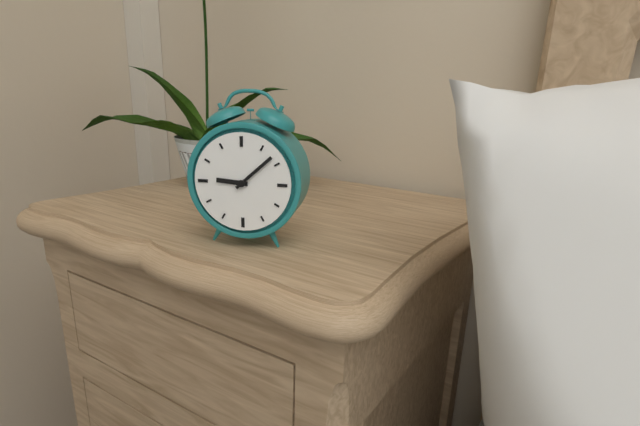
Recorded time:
{"hour": 9, "minute": 8}
